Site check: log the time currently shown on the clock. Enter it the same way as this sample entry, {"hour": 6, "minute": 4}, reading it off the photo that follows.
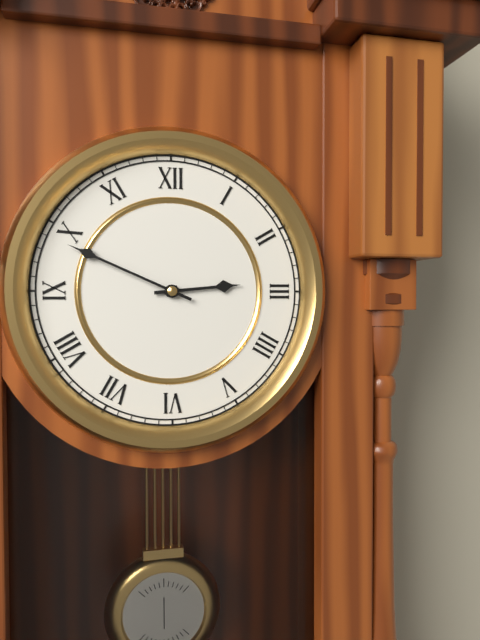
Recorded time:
{"hour": 2, "minute": 49}
